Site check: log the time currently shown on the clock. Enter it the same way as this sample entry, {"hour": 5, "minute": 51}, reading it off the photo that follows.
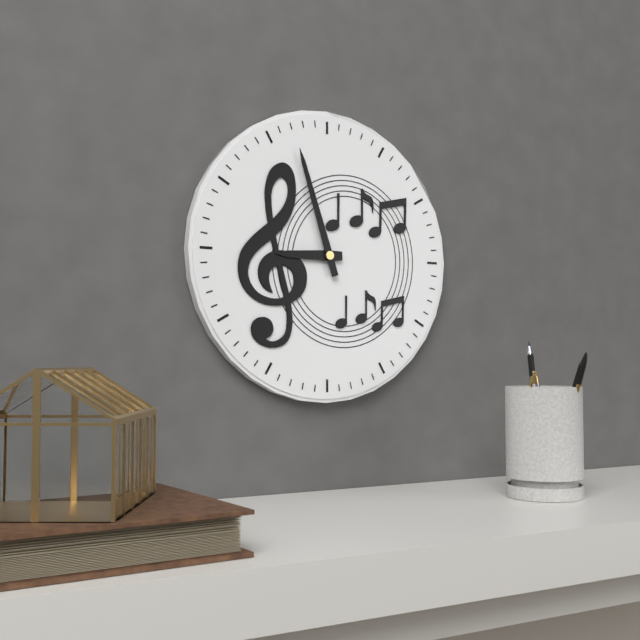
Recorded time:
{"hour": 8, "minute": 57}
